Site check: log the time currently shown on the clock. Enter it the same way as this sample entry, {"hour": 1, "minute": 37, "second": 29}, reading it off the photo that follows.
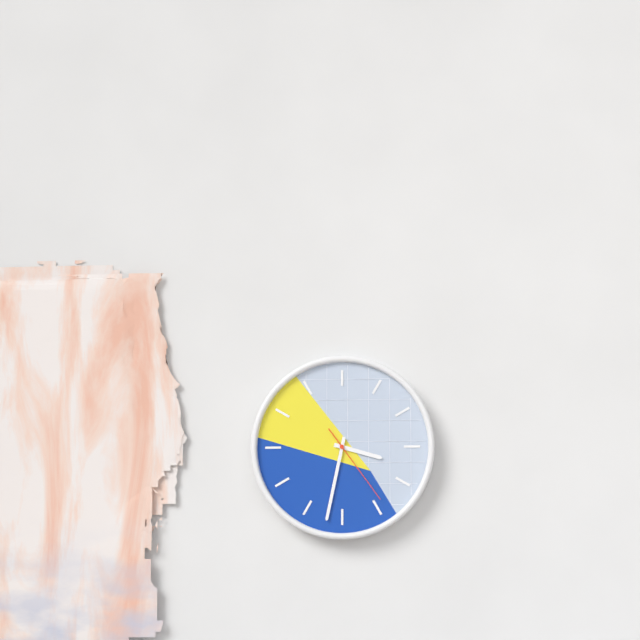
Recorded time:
{"hour": 3, "minute": 32, "second": 24}
